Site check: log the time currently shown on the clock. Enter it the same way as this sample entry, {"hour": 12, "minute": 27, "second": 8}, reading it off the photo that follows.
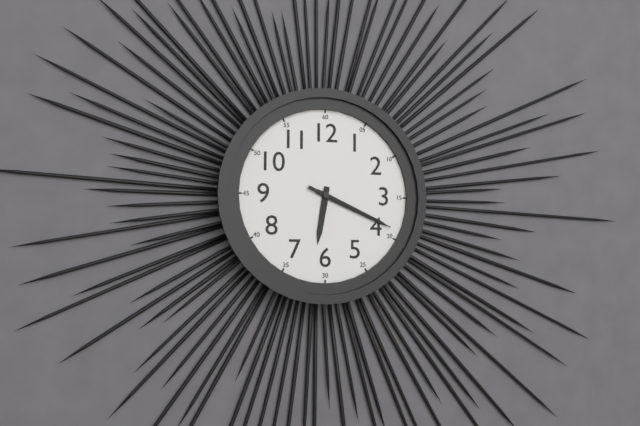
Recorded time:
{"hour": 6, "minute": 19, "second": 19}
